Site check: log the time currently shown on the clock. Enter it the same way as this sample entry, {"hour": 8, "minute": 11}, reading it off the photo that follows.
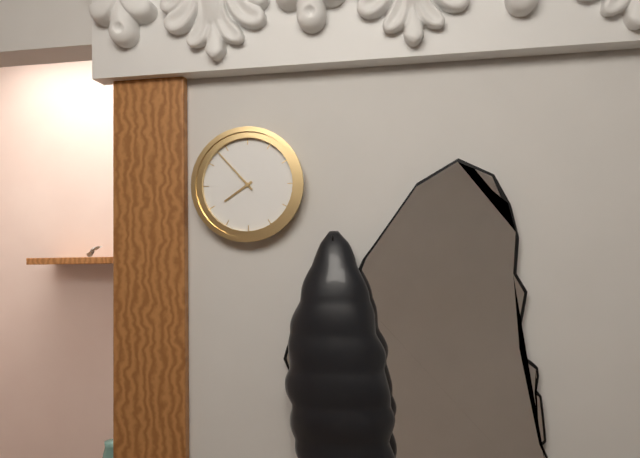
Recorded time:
{"hour": 7, "minute": 53}
